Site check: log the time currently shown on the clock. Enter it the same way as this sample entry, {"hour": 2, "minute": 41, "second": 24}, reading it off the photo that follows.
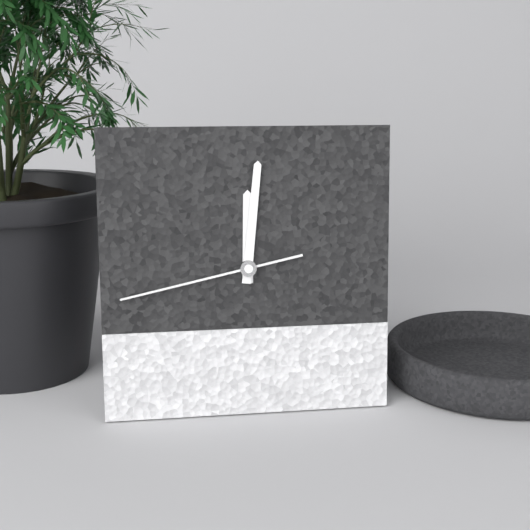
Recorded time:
{"hour": 12, "minute": 1, "second": 43}
